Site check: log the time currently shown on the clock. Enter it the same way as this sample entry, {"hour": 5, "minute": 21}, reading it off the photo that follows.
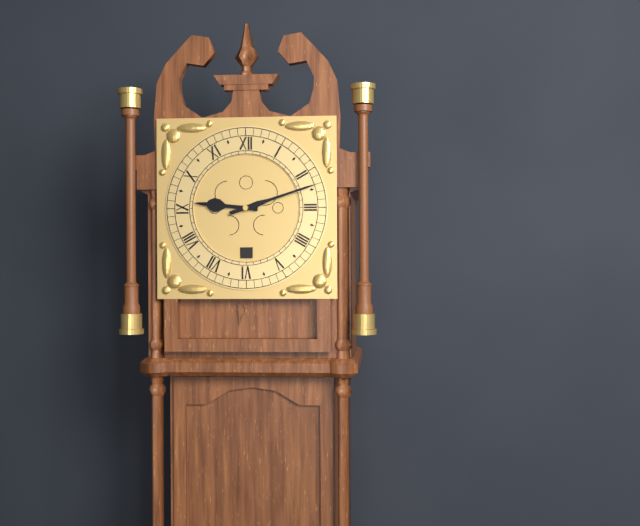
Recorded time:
{"hour": 9, "minute": 12}
